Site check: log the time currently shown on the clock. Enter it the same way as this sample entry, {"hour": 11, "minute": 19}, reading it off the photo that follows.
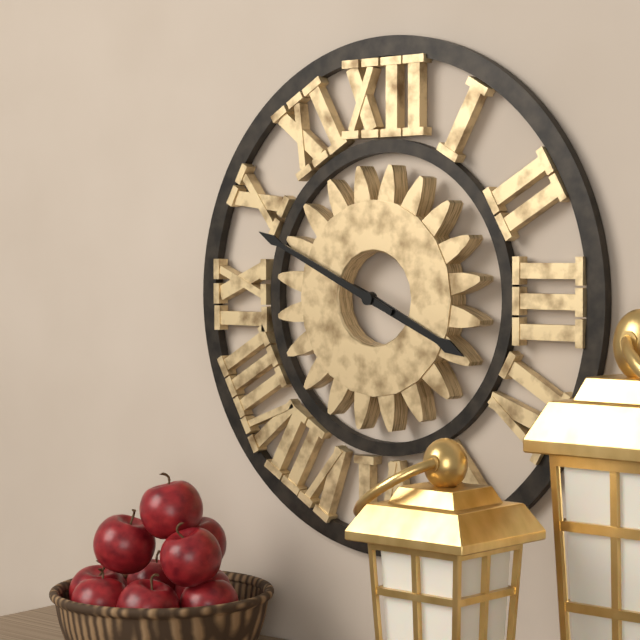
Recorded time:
{"hour": 3, "minute": 49}
